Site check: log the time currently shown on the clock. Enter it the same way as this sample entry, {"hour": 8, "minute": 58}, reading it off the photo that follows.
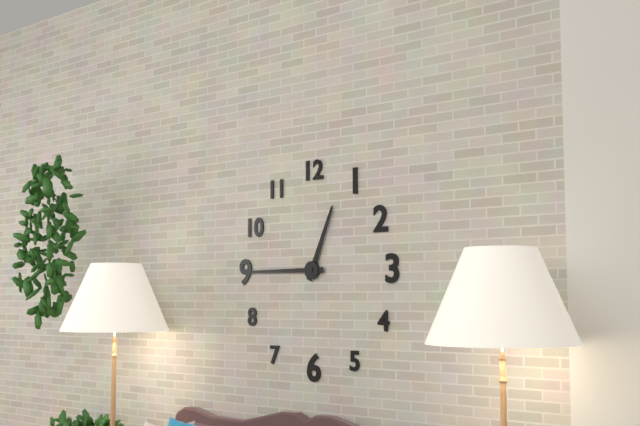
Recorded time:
{"hour": 12, "minute": 45}
